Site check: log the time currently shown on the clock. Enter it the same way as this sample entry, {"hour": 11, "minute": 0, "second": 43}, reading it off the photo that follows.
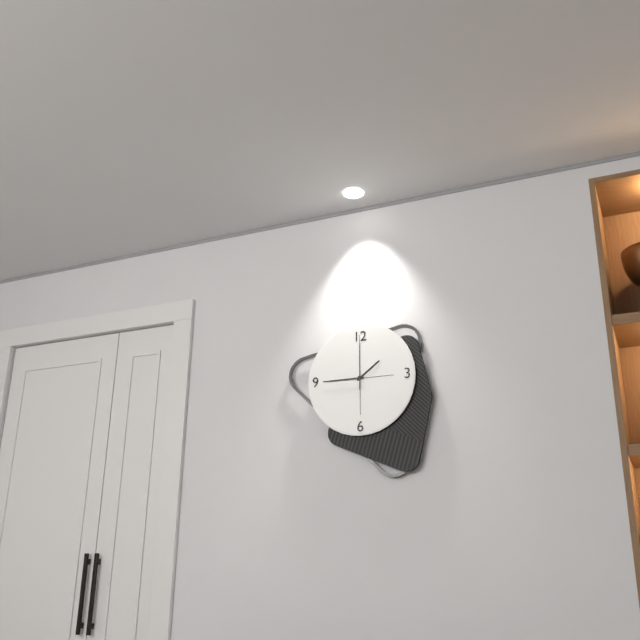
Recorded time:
{"hour": 1, "minute": 45, "second": 0}
